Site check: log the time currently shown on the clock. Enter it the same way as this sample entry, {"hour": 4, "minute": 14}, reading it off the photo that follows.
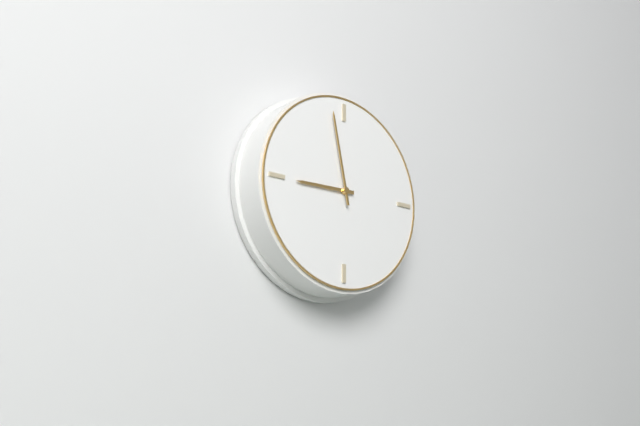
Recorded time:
{"hour": 8, "minute": 58}
